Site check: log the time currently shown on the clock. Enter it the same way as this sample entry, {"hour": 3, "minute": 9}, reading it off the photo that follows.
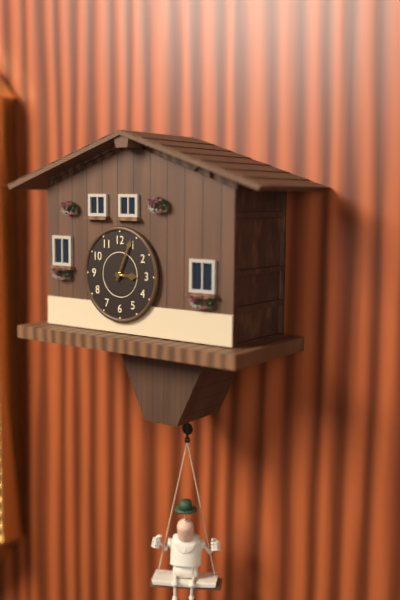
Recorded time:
{"hour": 3, "minute": 4}
